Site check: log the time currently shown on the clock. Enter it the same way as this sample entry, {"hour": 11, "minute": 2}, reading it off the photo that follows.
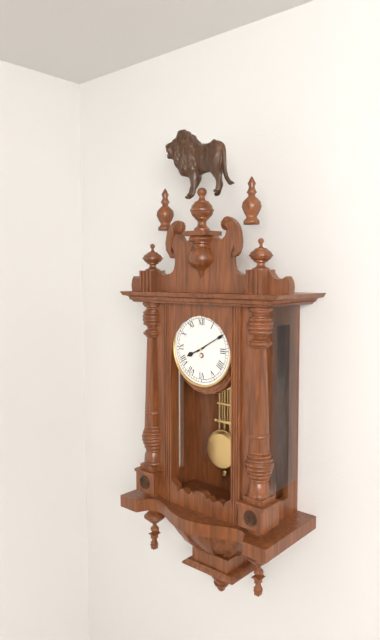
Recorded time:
{"hour": 8, "minute": 10}
